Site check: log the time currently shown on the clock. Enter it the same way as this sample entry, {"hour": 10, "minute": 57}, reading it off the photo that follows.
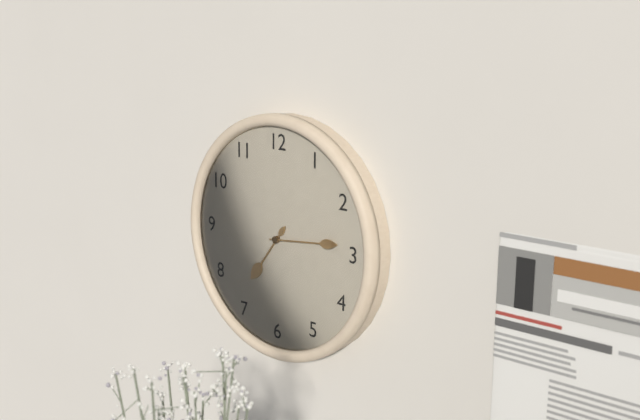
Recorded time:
{"hour": 7, "minute": 14}
